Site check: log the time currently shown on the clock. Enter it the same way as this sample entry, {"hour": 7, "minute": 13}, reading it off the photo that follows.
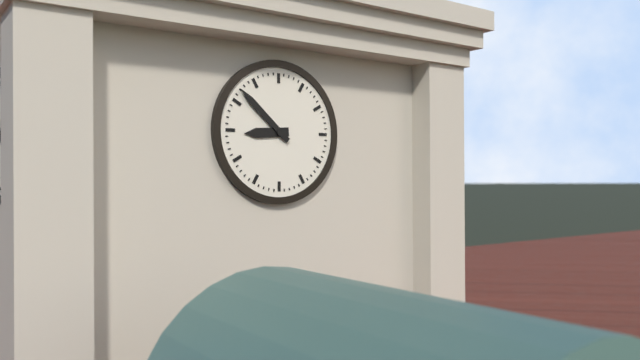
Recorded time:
{"hour": 8, "minute": 52}
